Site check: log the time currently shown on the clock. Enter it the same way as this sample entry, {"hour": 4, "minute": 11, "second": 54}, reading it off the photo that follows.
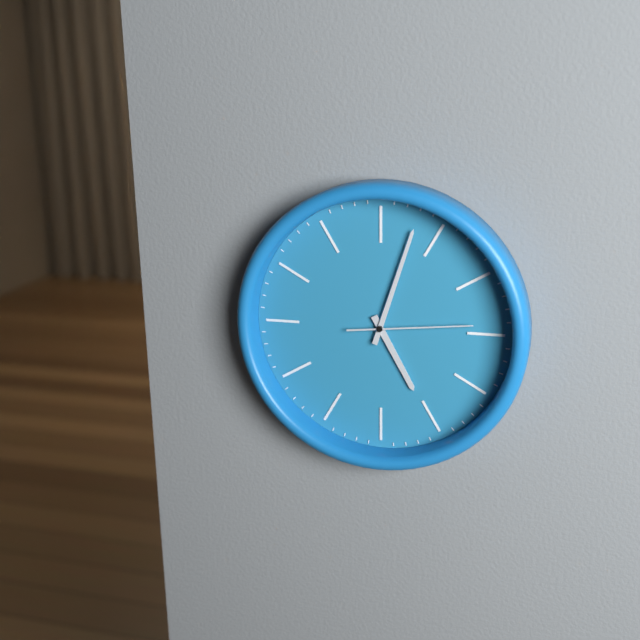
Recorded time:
{"hour": 5, "minute": 3, "second": 14}
